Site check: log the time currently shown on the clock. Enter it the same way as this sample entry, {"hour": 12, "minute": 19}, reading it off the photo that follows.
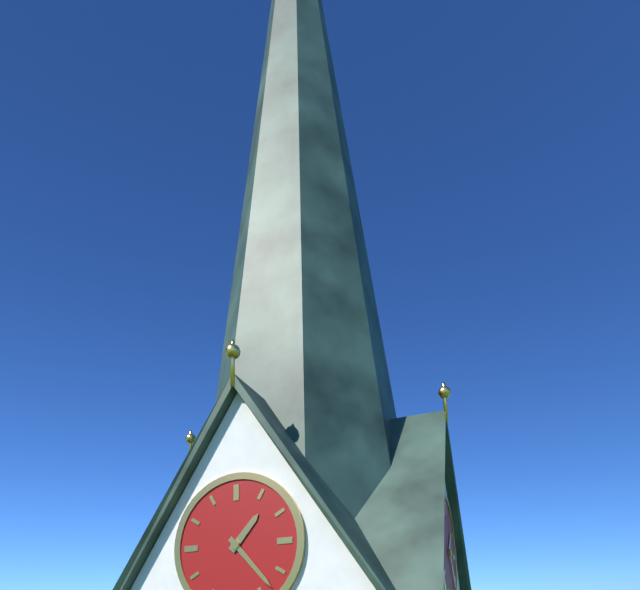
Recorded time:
{"hour": 1, "minute": 23}
